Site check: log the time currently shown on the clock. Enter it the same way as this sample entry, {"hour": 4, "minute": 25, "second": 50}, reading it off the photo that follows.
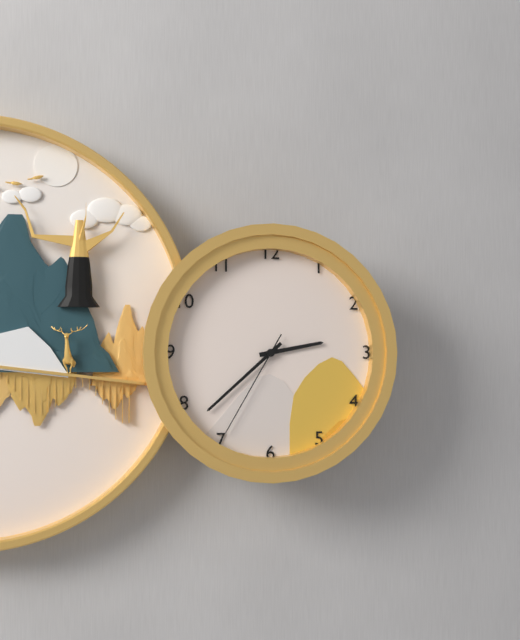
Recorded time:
{"hour": 2, "minute": 38, "second": 35}
